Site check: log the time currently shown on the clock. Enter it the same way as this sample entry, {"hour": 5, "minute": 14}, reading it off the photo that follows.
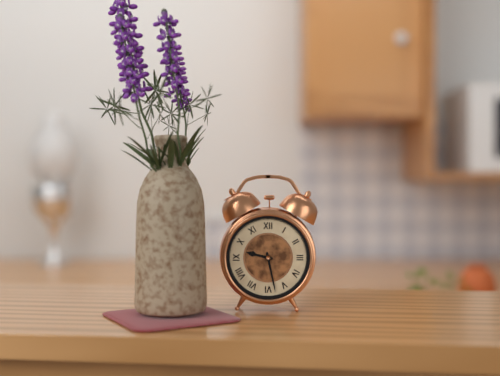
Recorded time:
{"hour": 9, "minute": 28}
